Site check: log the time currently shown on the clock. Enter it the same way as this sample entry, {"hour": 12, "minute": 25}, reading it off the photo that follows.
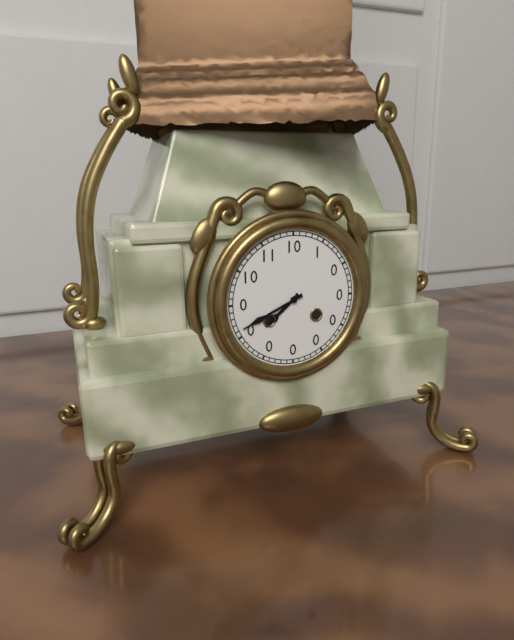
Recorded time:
{"hour": 7, "minute": 41}
